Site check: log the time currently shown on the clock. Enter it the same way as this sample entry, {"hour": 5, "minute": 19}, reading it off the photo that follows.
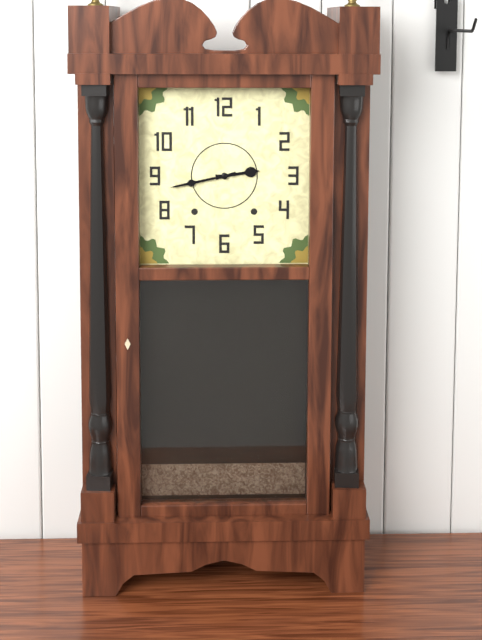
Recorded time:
{"hour": 2, "minute": 43}
